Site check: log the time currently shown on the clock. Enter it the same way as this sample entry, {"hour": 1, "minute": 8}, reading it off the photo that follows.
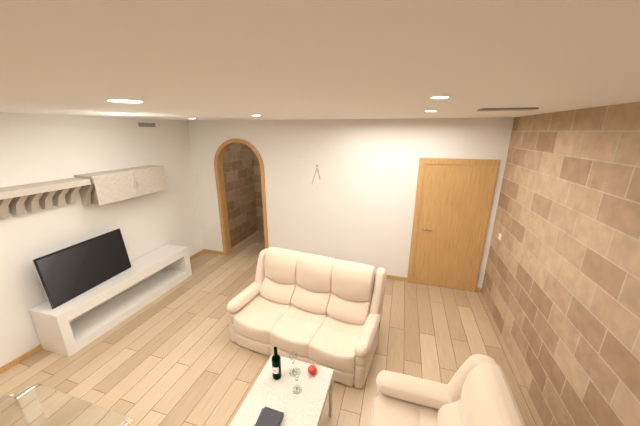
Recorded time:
{"hour": 5, "minute": 33}
